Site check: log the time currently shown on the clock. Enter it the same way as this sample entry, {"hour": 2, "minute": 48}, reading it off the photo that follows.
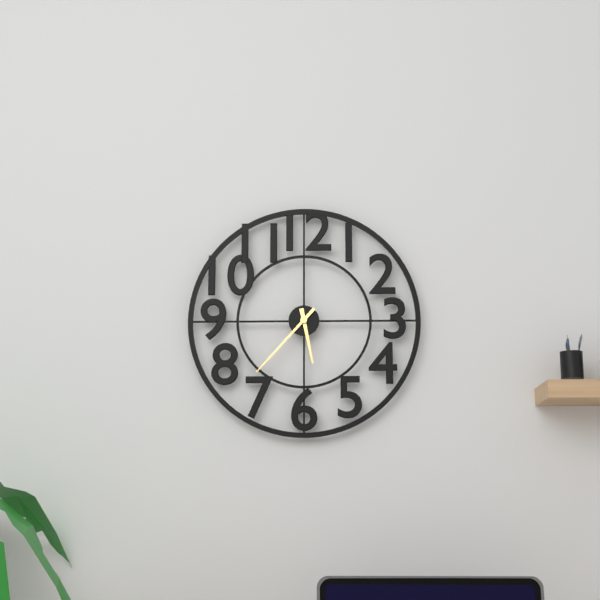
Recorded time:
{"hour": 5, "minute": 37}
